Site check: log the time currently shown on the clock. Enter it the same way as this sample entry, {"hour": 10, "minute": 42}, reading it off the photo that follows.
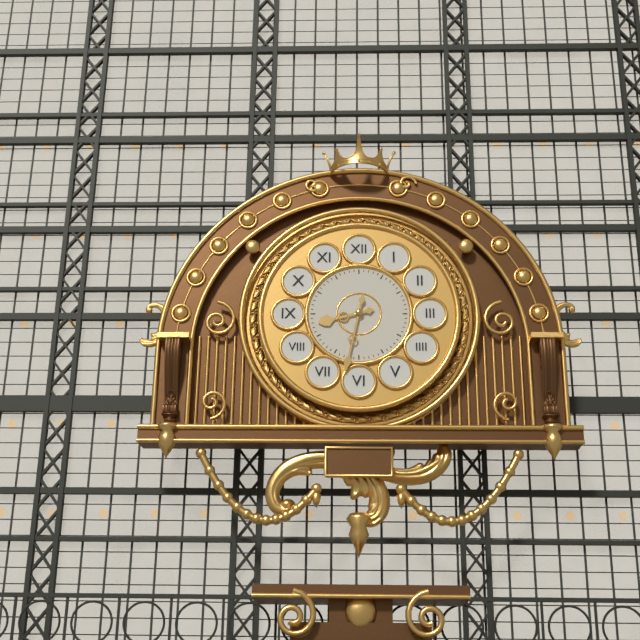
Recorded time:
{"hour": 8, "minute": 32}
